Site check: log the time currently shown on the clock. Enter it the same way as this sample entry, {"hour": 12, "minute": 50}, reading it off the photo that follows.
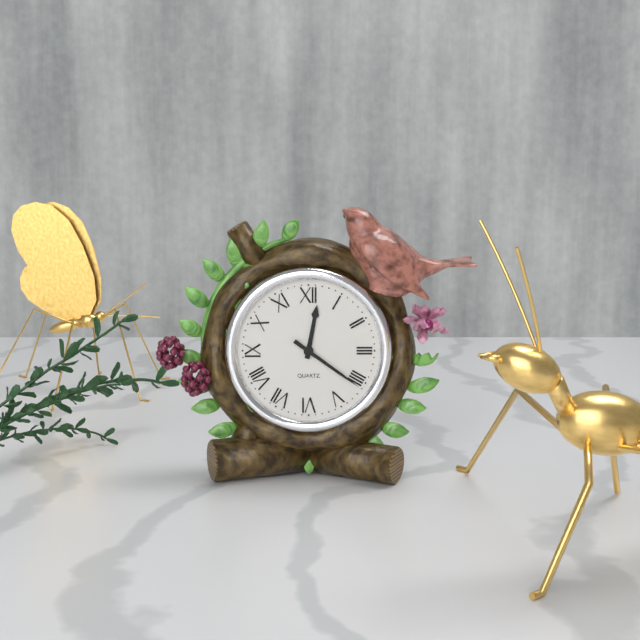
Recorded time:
{"hour": 12, "minute": 21}
